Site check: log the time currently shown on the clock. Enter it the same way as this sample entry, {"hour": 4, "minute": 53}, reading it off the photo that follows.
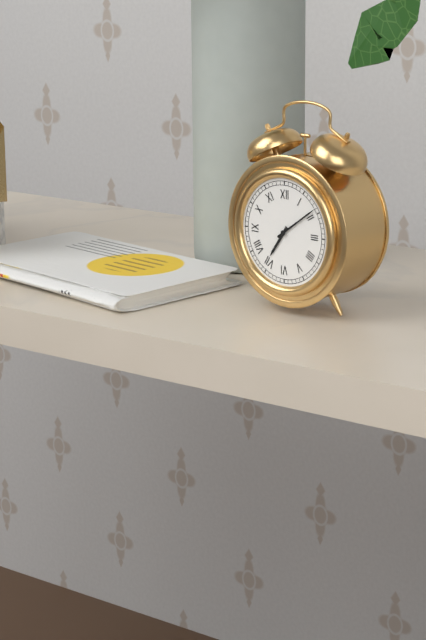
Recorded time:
{"hour": 7, "minute": 9}
